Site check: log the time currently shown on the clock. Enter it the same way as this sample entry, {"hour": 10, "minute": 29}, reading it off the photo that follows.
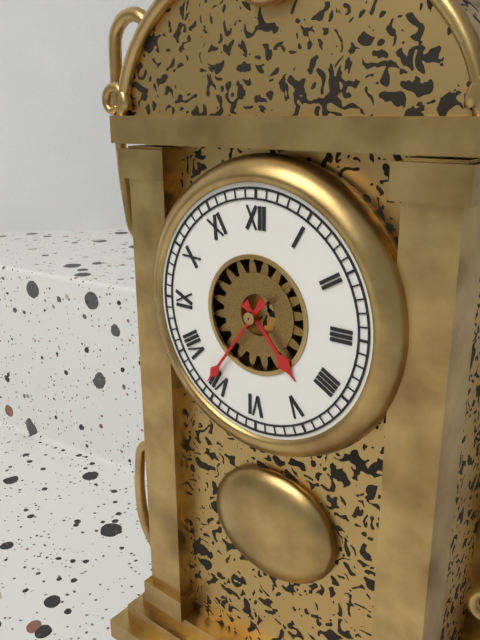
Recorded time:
{"hour": 4, "minute": 36}
